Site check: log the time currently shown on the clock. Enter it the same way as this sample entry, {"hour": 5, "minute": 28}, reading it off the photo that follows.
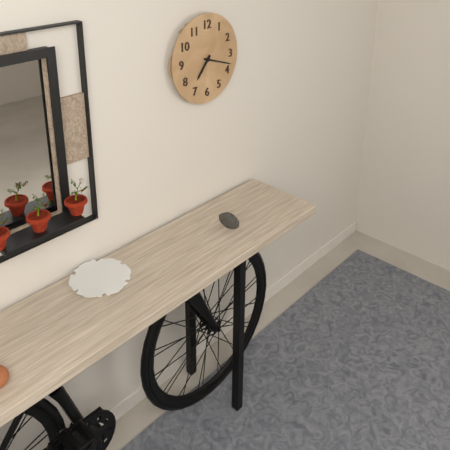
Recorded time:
{"hour": 7, "minute": 18}
